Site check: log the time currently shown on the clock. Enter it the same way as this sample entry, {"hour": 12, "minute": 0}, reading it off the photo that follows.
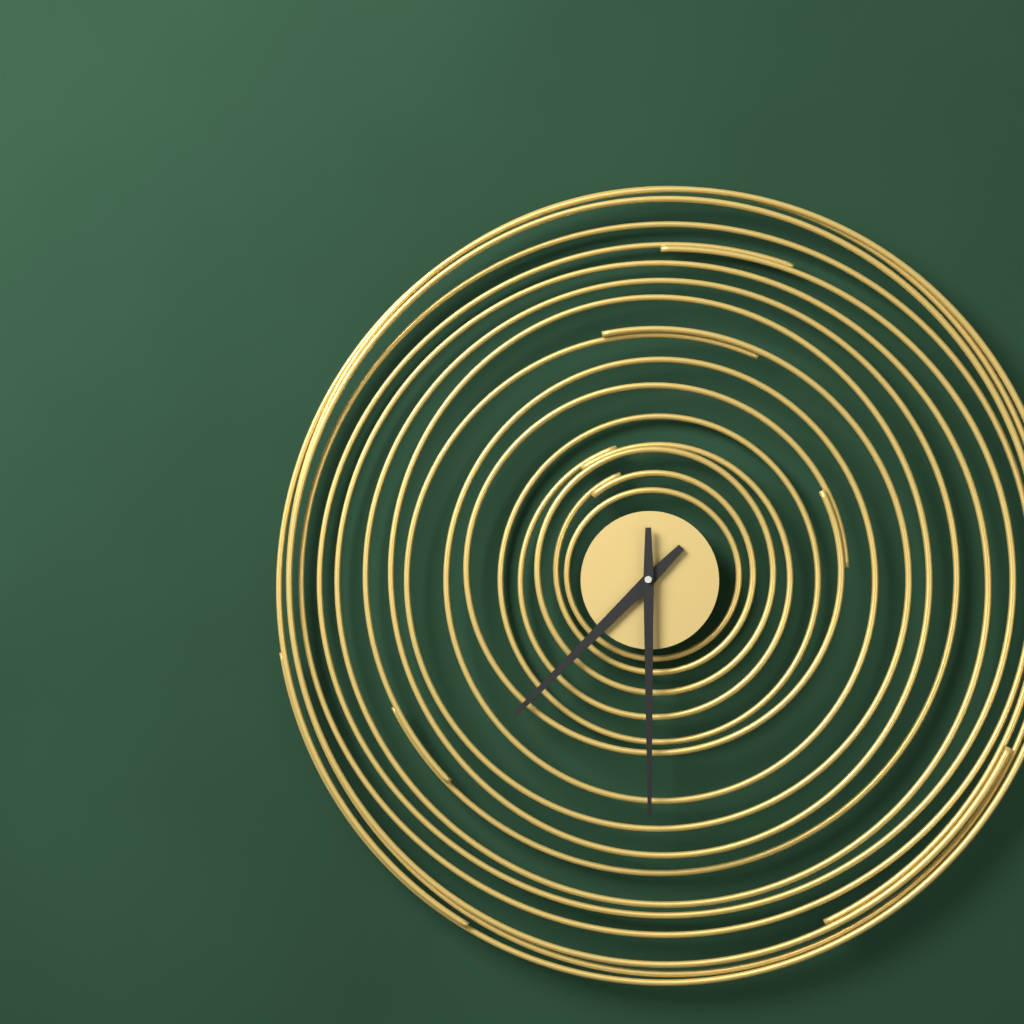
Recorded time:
{"hour": 7, "minute": 30}
